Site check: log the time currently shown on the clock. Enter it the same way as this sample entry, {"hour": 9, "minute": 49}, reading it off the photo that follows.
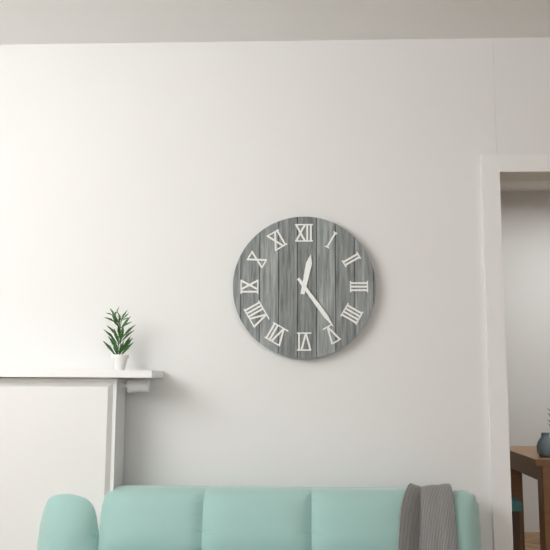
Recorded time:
{"hour": 12, "minute": 24}
